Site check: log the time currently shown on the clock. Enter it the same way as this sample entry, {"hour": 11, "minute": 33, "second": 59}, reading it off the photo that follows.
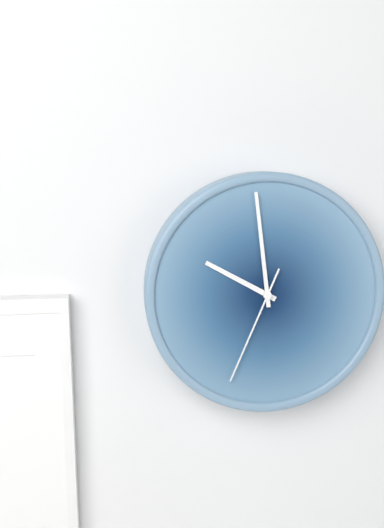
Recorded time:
{"hour": 9, "minute": 59, "second": 34}
